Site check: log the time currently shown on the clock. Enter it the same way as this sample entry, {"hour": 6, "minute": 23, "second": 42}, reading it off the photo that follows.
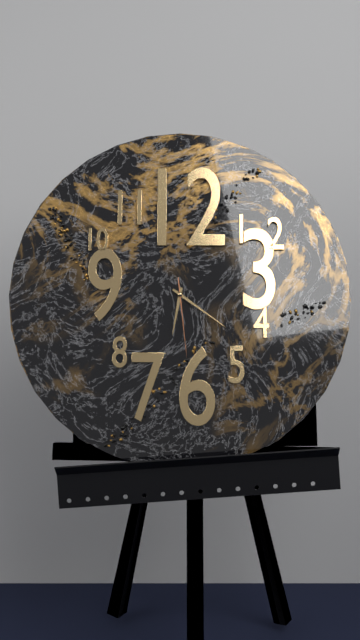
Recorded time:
{"hour": 6, "minute": 21, "second": 29}
